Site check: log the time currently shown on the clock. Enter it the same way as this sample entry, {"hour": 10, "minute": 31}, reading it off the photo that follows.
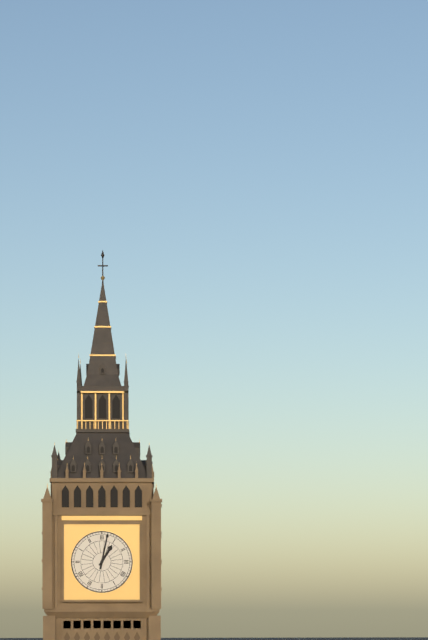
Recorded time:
{"hour": 1, "minute": 2}
